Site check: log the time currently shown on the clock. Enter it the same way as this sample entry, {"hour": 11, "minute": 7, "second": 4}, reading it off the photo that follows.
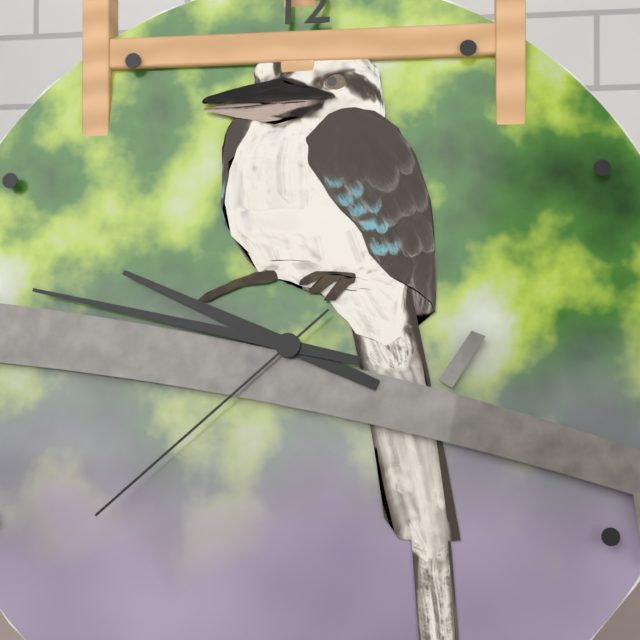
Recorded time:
{"hour": 9, "minute": 47, "second": 38}
